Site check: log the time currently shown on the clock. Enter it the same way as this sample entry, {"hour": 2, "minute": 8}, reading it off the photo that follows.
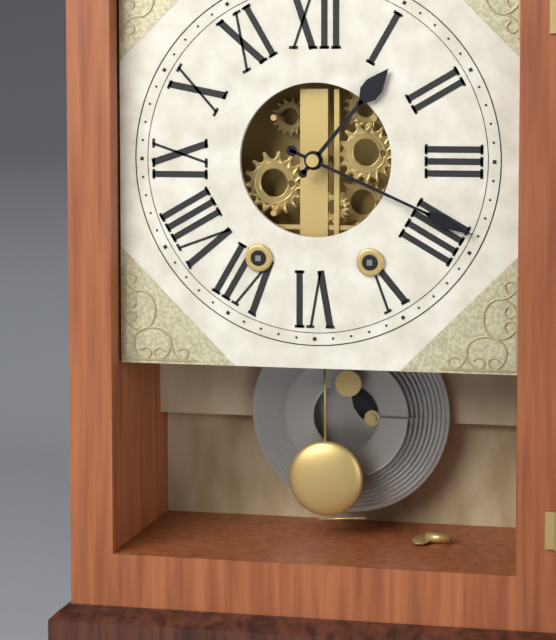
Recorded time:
{"hour": 1, "minute": 19}
